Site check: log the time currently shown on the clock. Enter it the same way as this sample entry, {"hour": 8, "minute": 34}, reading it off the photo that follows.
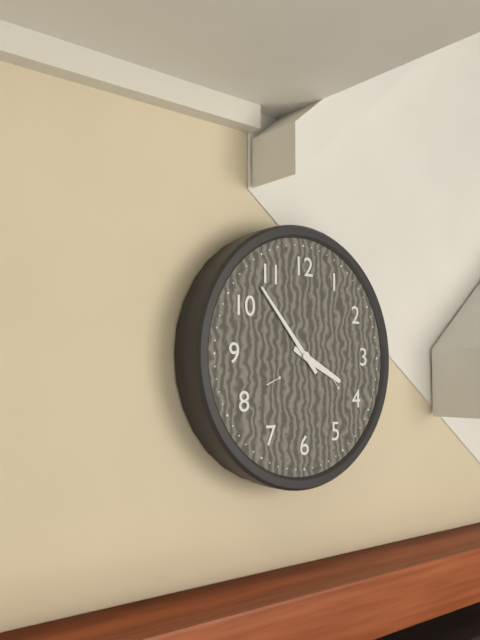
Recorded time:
{"hour": 3, "minute": 53}
